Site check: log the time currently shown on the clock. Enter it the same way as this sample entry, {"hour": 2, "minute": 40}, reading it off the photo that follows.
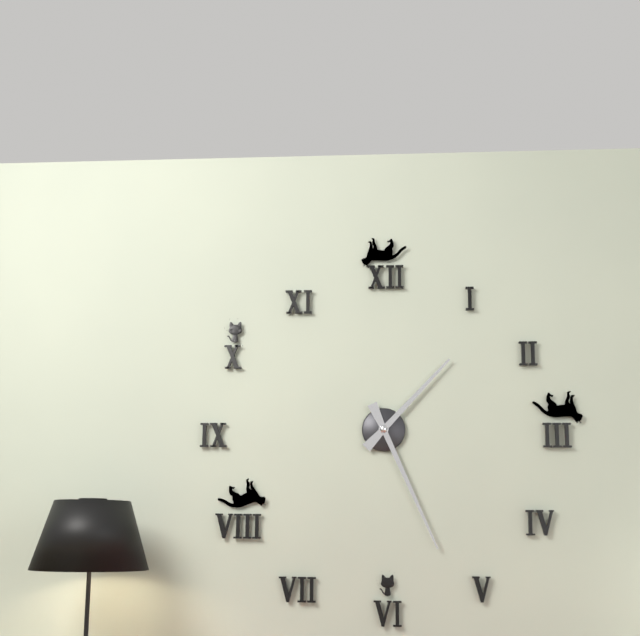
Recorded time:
{"hour": 1, "minute": 26}
